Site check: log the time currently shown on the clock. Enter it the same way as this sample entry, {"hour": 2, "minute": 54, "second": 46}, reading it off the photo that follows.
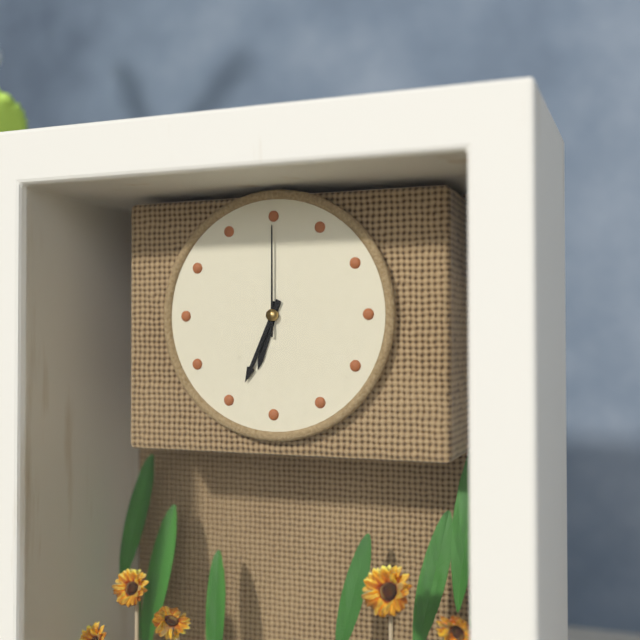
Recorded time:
{"hour": 6, "minute": 34, "second": 0}
